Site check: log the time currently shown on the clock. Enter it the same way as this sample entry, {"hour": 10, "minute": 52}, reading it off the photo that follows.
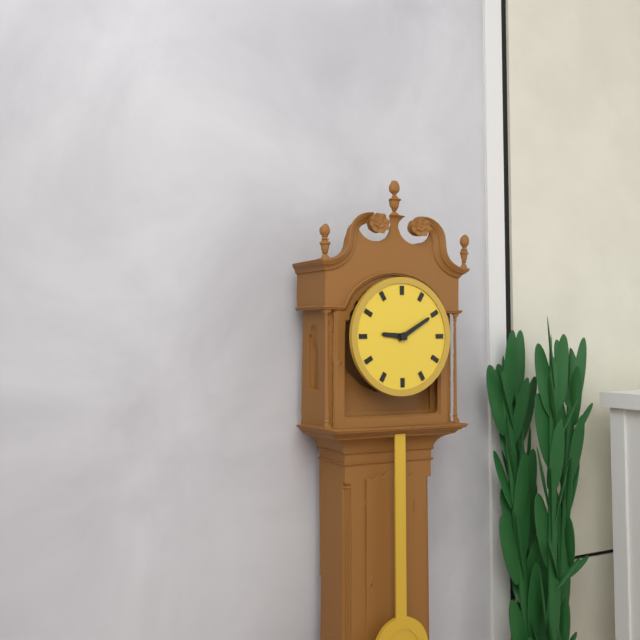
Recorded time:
{"hour": 9, "minute": 10}
